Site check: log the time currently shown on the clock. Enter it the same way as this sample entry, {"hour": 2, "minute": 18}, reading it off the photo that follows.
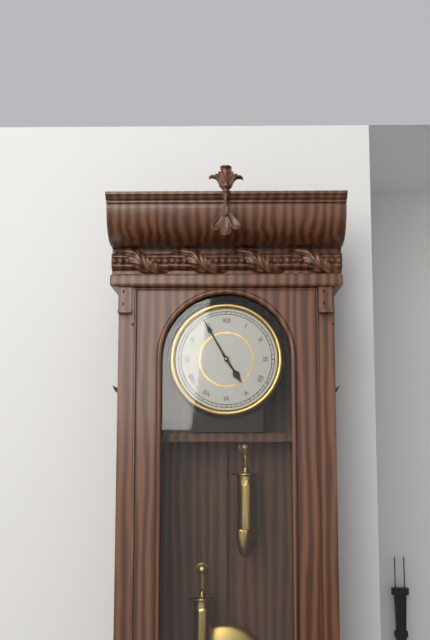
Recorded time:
{"hour": 4, "minute": 55}
